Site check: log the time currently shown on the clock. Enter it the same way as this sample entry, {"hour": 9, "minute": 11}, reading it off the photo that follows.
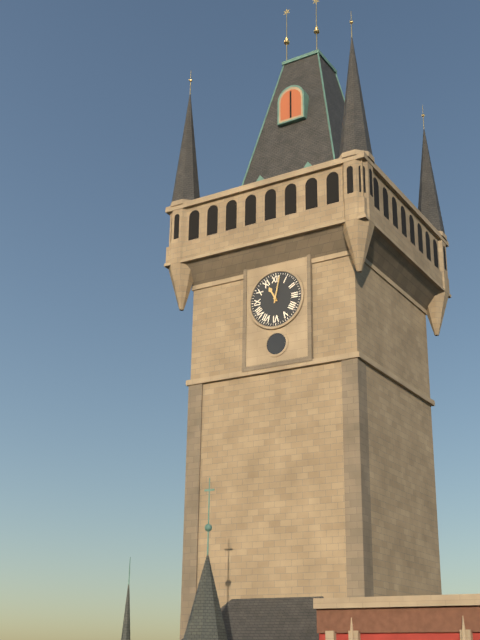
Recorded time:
{"hour": 11, "minute": 2}
